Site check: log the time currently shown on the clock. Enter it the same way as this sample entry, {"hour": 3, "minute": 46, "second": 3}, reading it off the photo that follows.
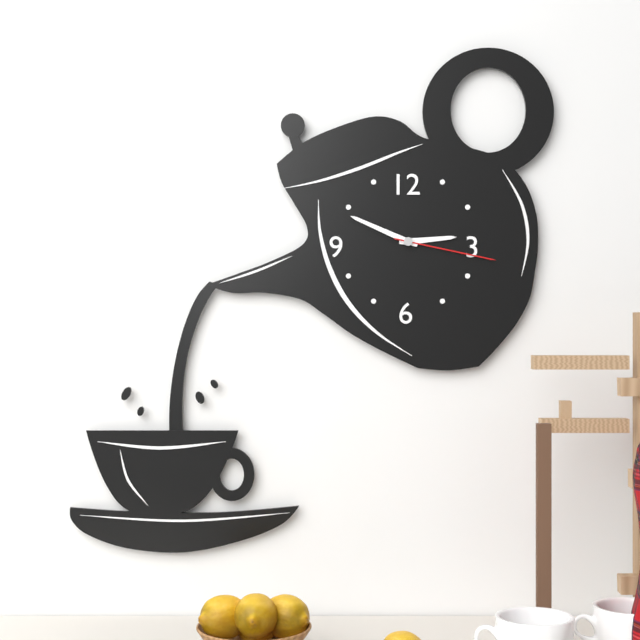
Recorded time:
{"hour": 2, "minute": 49, "second": 17}
